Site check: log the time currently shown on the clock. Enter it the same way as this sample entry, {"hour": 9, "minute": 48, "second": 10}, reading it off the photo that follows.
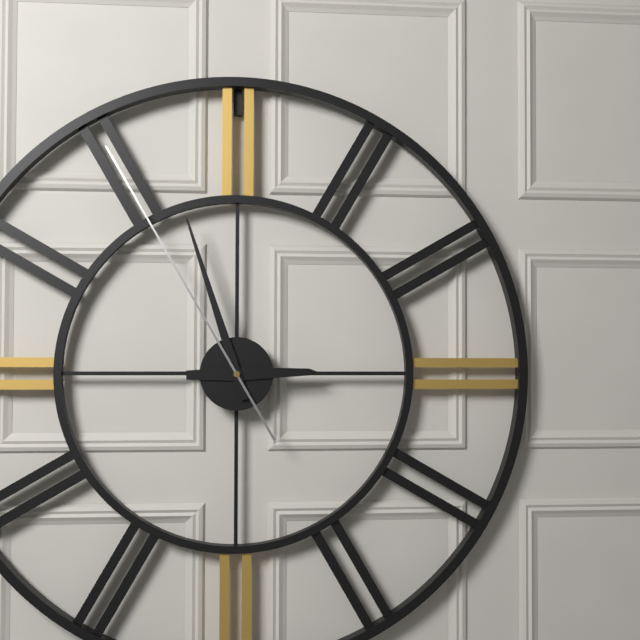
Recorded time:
{"hour": 2, "minute": 57, "second": 55}
